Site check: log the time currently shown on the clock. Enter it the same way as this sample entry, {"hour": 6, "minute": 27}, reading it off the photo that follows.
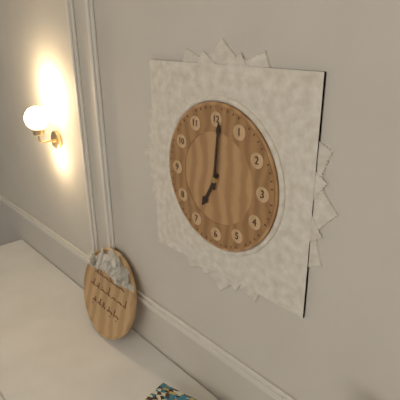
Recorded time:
{"hour": 7, "minute": 1}
